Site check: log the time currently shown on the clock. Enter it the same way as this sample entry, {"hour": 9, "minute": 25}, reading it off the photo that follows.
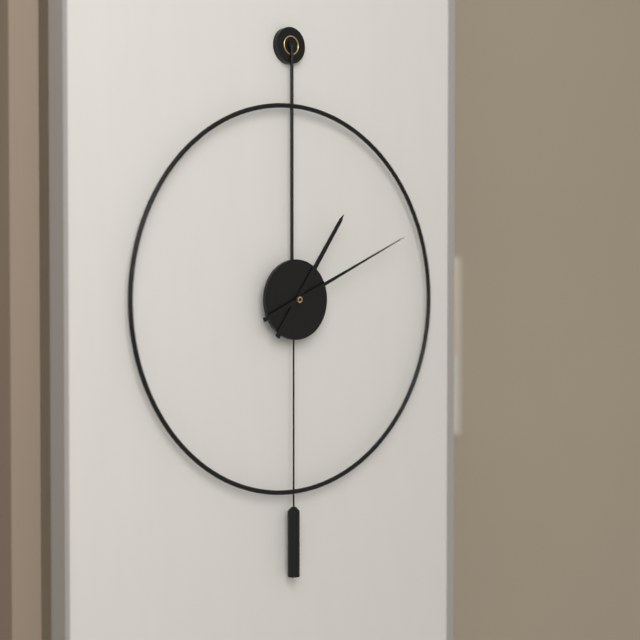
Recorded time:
{"hour": 1, "minute": 11}
